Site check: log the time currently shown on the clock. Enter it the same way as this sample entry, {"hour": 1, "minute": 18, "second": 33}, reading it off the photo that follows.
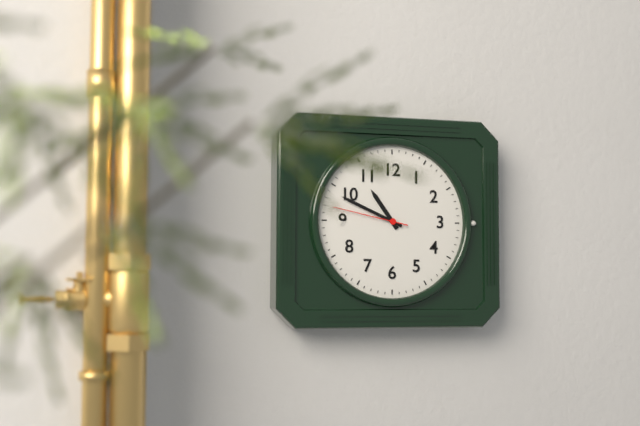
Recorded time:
{"hour": 10, "minute": 49, "second": 47}
